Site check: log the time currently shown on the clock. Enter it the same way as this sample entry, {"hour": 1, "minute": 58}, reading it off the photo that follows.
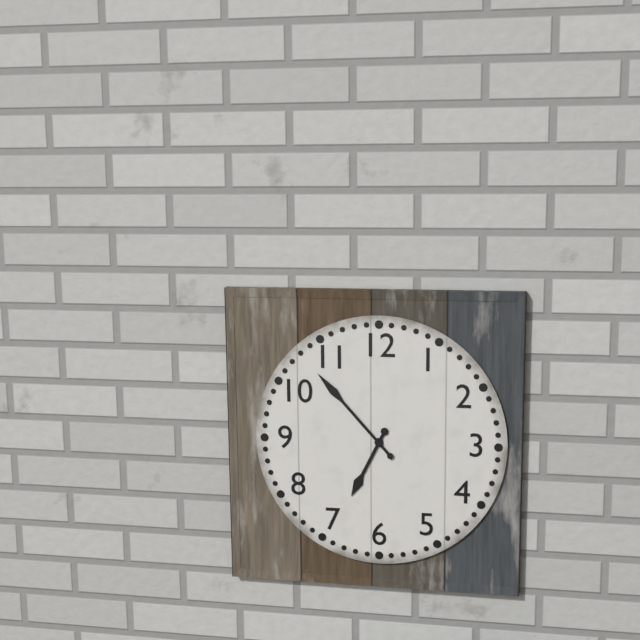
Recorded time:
{"hour": 6, "minute": 53}
